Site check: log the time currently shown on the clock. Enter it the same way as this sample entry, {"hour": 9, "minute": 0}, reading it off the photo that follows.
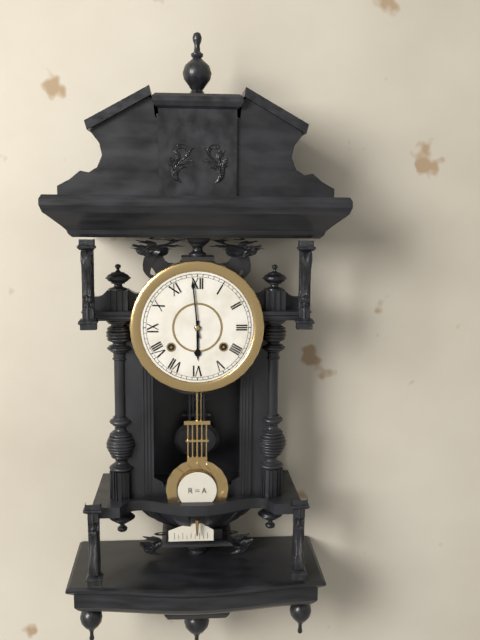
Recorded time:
{"hour": 5, "minute": 59}
